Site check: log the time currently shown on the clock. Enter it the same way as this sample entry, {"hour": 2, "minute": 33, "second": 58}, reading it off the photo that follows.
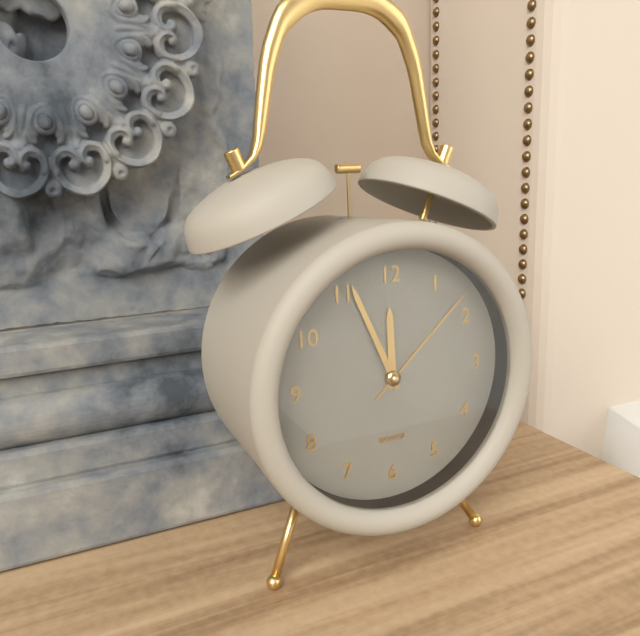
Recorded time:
{"hour": 11, "minute": 56, "second": 8}
